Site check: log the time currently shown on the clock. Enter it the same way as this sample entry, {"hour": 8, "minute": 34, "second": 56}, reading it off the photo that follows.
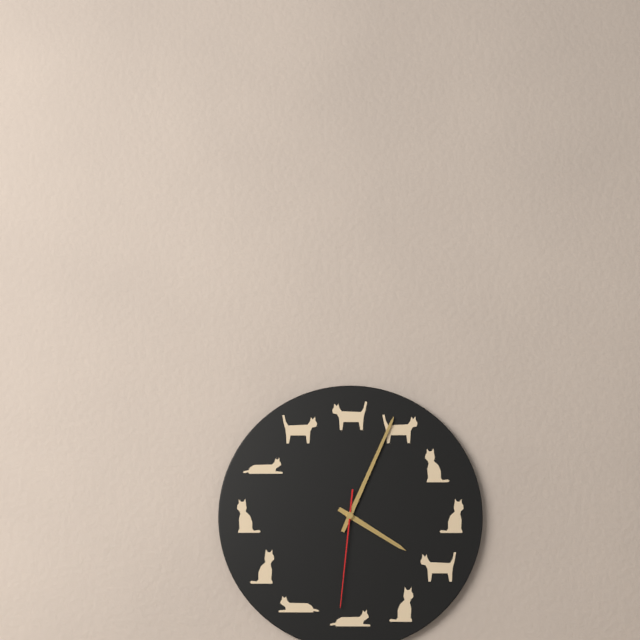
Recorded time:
{"hour": 4, "minute": 4, "second": 31}
